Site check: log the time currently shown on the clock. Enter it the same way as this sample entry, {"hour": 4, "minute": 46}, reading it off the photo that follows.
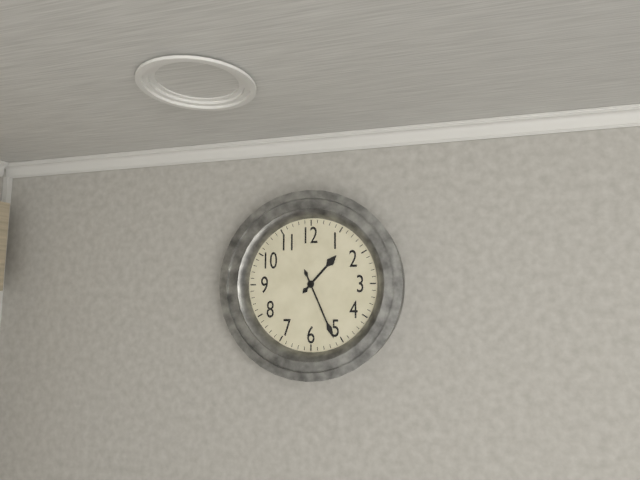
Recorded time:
{"hour": 1, "minute": 26}
